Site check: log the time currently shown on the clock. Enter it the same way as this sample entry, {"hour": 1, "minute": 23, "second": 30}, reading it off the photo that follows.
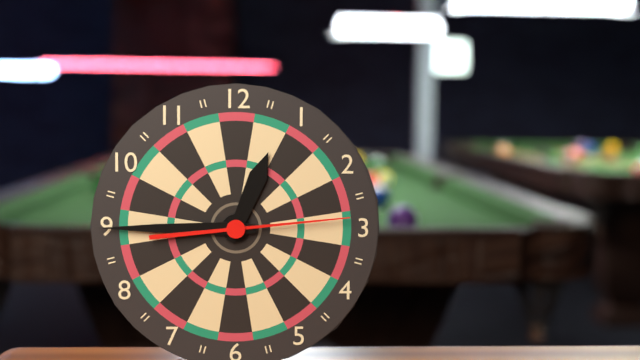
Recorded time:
{"hour": 12, "minute": 45, "second": 14}
